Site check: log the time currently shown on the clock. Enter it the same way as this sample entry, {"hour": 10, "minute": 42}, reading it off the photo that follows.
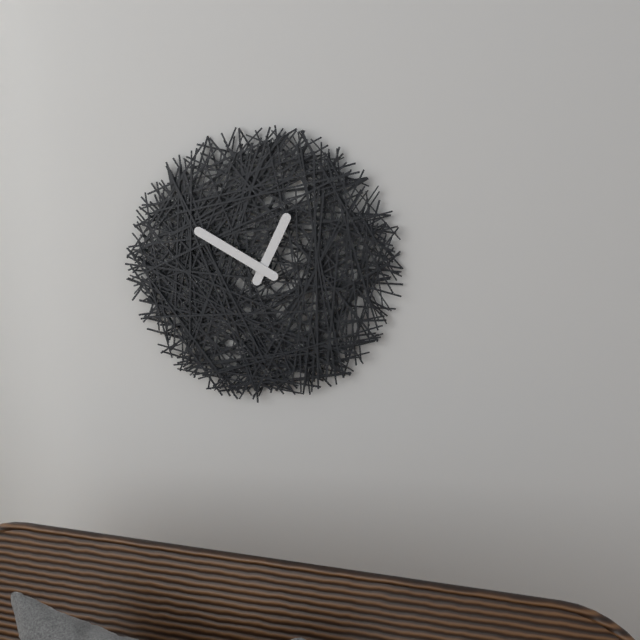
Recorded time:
{"hour": 12, "minute": 50}
